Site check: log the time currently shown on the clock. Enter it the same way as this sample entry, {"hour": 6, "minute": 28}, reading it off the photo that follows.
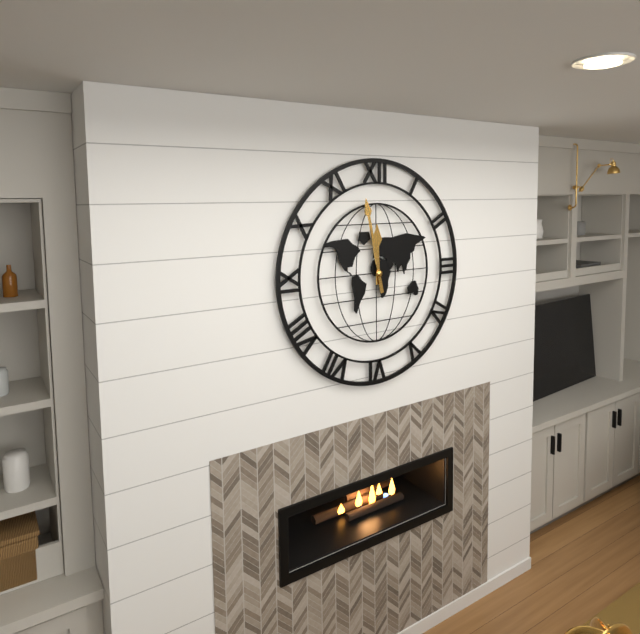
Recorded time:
{"hour": 11, "minute": 58}
